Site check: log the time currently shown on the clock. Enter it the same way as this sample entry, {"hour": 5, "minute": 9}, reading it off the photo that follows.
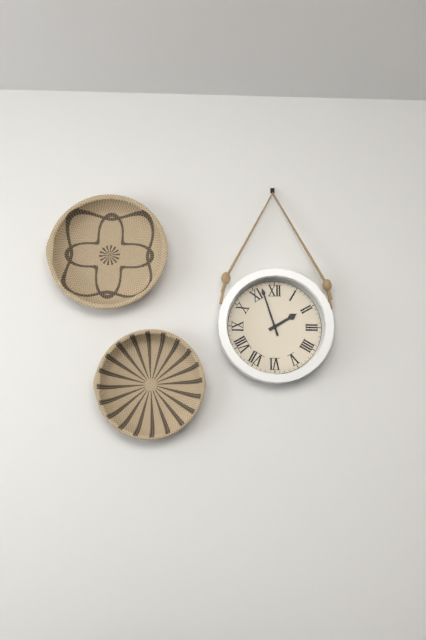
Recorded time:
{"hour": 1, "minute": 57}
